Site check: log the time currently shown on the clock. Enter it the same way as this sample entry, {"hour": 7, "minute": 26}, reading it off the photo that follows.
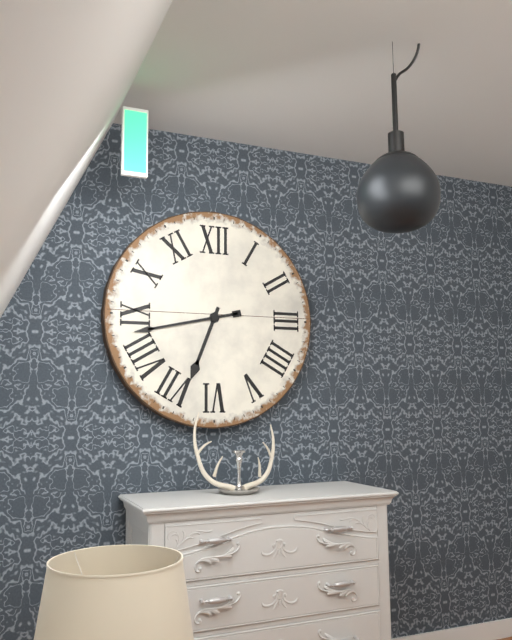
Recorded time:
{"hour": 6, "minute": 43}
